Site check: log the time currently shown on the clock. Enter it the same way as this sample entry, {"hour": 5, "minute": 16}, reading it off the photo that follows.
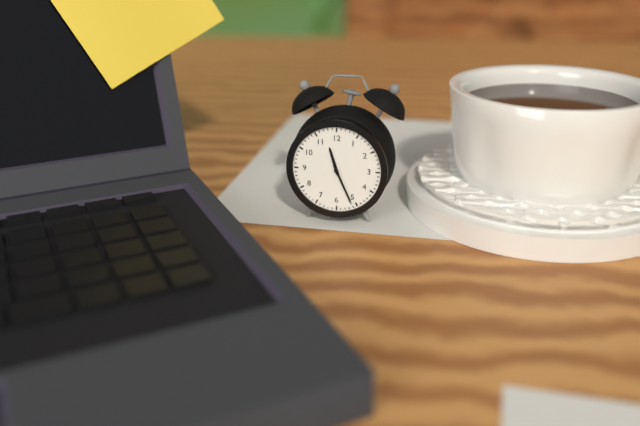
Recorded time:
{"hour": 11, "minute": 26}
